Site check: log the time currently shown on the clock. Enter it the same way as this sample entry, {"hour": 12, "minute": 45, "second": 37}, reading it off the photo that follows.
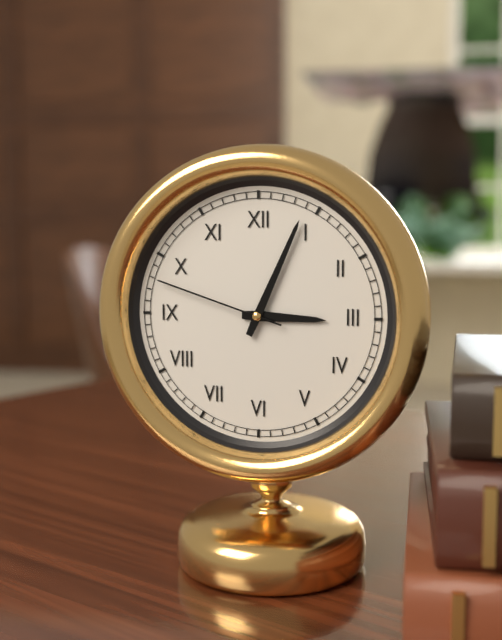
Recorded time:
{"hour": 3, "minute": 4, "second": 48}
